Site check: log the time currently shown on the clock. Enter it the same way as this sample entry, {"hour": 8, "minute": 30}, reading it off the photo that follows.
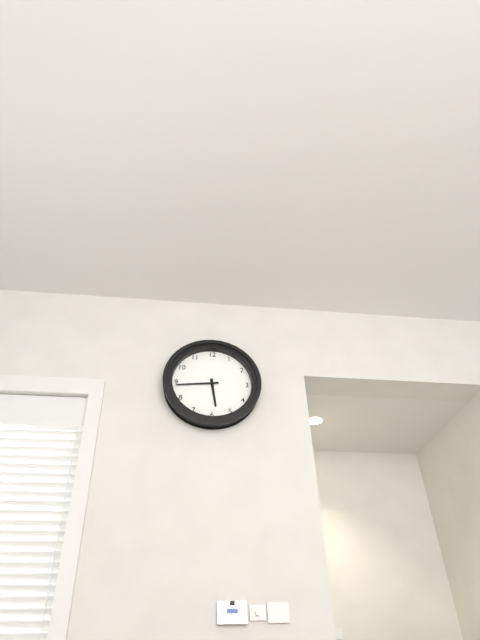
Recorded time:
{"hour": 5, "minute": 44}
